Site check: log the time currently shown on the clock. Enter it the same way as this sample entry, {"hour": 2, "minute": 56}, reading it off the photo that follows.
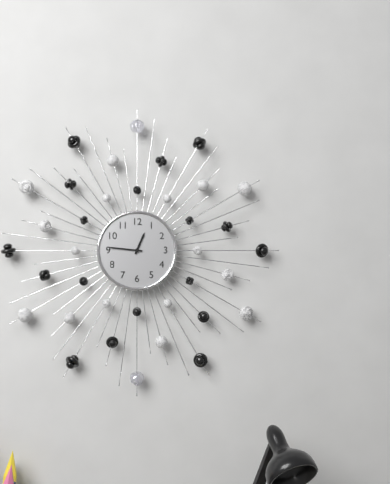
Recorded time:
{"hour": 12, "minute": 46}
